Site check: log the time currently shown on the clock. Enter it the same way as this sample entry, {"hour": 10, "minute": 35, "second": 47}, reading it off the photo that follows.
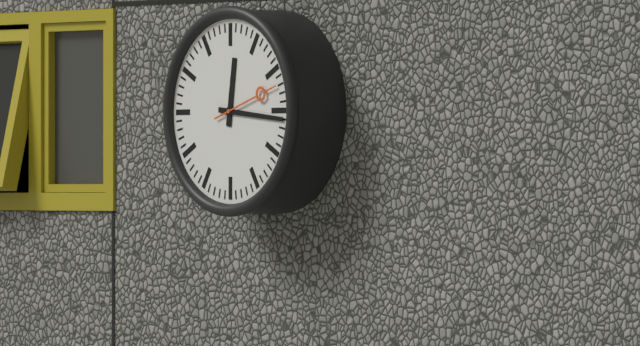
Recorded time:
{"hour": 12, "minute": 16, "second": 12}
